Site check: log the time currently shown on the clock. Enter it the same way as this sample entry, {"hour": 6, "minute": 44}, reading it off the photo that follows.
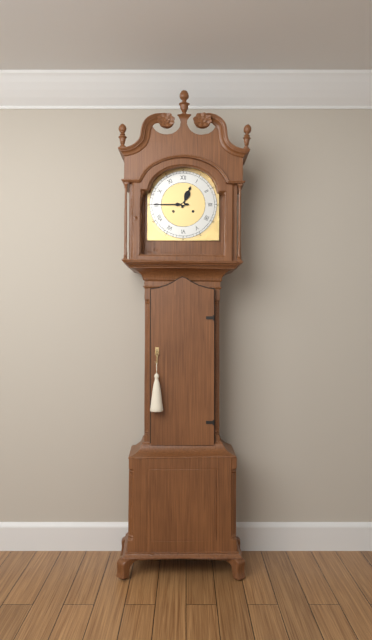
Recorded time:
{"hour": 12, "minute": 45}
